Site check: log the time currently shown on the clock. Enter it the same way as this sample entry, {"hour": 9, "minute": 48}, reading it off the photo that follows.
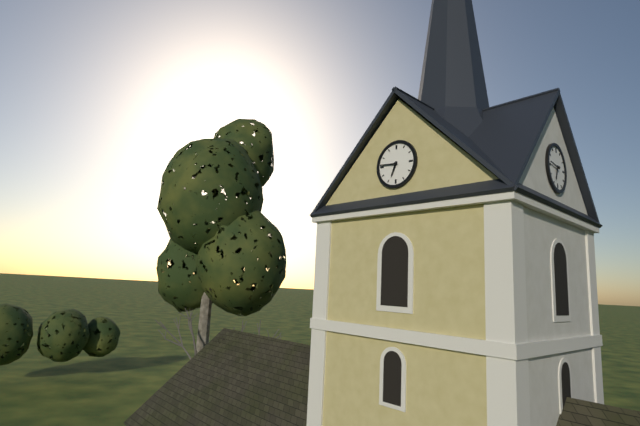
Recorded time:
{"hour": 6, "minute": 46}
